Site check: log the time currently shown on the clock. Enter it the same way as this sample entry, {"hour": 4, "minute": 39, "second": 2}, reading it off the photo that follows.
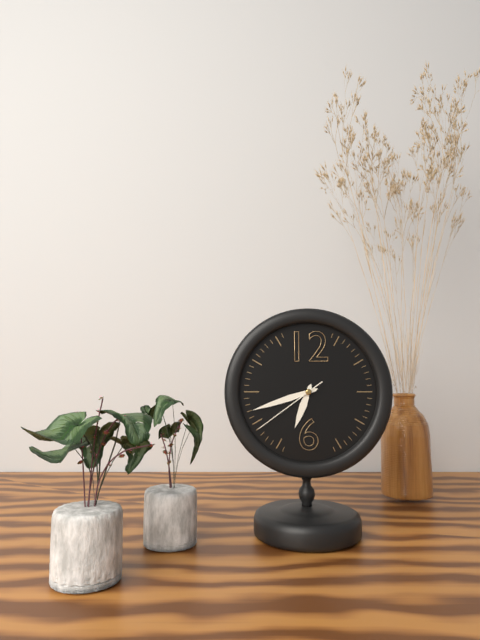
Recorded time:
{"hour": 6, "minute": 42, "second": 39}
